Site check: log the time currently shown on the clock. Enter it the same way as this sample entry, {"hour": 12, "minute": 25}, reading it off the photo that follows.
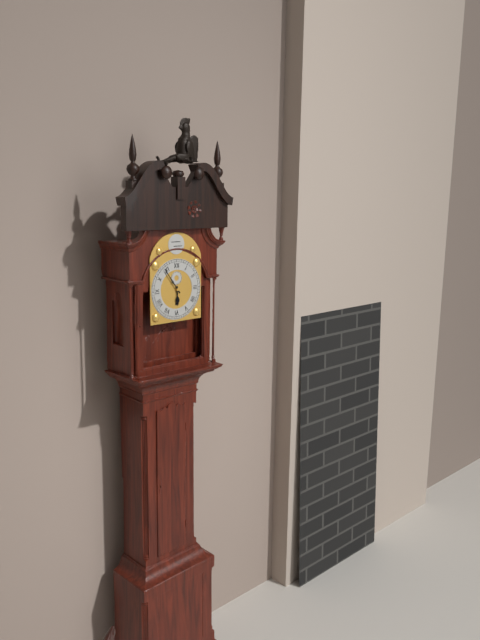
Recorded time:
{"hour": 5, "minute": 54}
